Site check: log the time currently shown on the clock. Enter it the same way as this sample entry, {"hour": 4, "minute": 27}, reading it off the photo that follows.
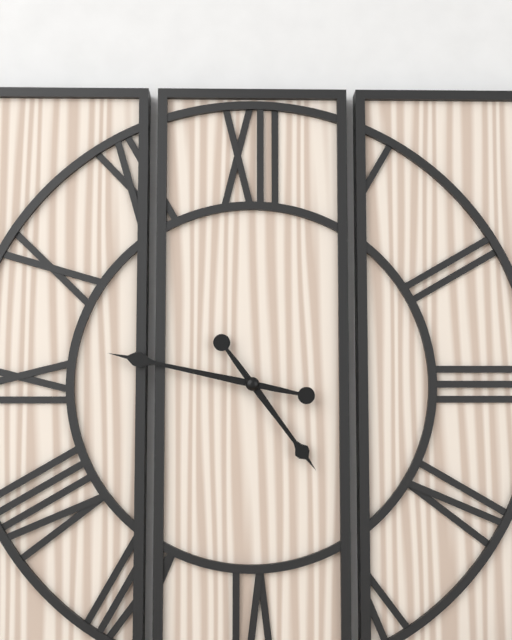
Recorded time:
{"hour": 4, "minute": 47}
